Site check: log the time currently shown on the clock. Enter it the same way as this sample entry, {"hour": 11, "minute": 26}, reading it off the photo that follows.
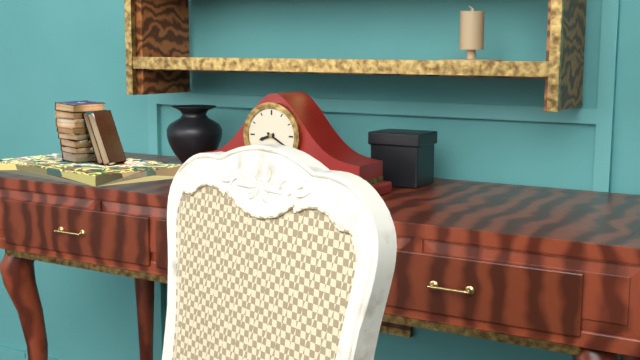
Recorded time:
{"hour": 8, "minute": 20}
